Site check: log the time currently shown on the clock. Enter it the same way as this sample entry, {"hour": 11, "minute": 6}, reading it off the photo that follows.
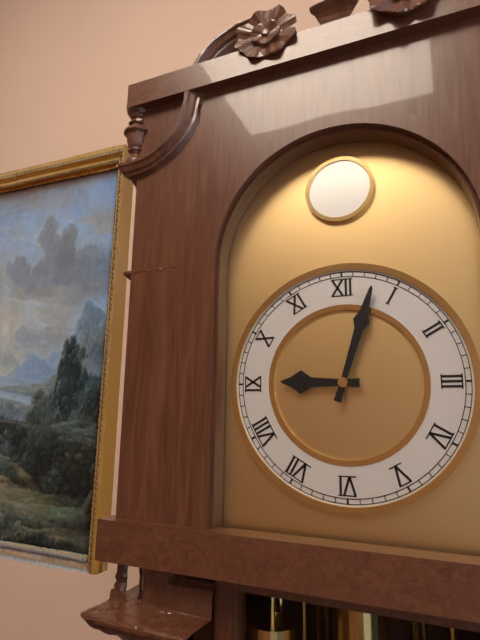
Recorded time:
{"hour": 9, "minute": 3}
